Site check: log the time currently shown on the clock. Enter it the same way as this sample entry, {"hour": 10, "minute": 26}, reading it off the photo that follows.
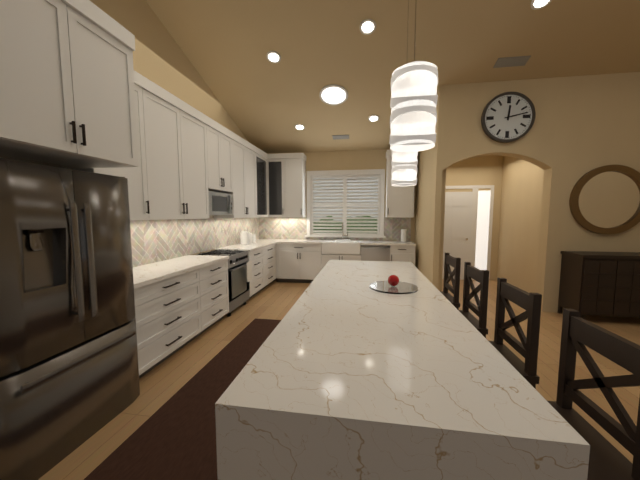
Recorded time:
{"hour": 12, "minute": 13}
